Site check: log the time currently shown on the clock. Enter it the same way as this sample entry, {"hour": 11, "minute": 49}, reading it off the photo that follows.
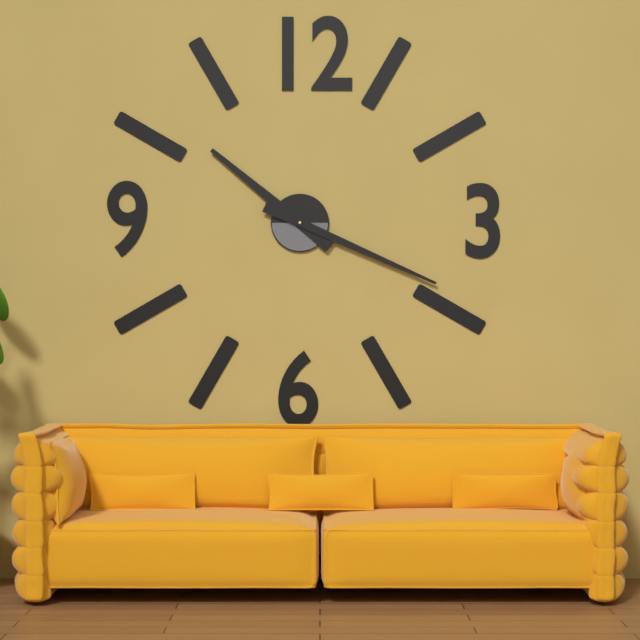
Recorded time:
{"hour": 10, "minute": 19}
